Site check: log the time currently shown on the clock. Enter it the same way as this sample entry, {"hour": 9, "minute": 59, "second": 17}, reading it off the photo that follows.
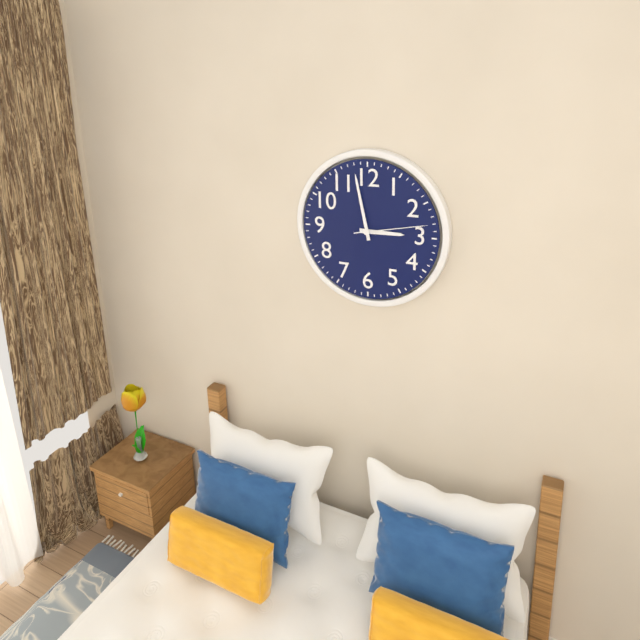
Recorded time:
{"hour": 2, "minute": 58, "second": 13}
